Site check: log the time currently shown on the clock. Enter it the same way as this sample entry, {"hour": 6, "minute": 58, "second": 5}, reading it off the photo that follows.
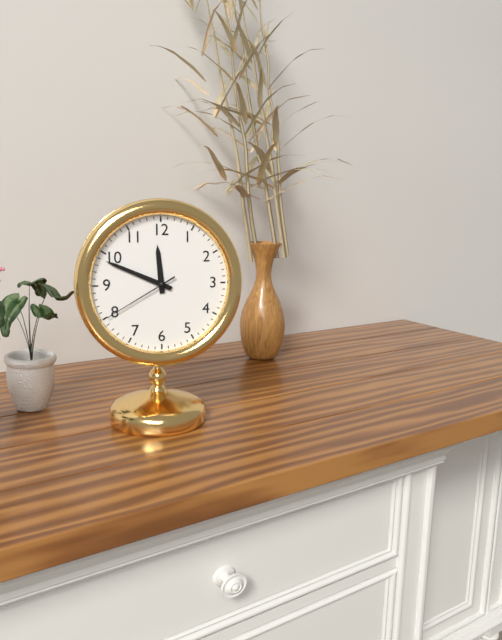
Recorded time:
{"hour": 11, "minute": 49, "second": 40}
